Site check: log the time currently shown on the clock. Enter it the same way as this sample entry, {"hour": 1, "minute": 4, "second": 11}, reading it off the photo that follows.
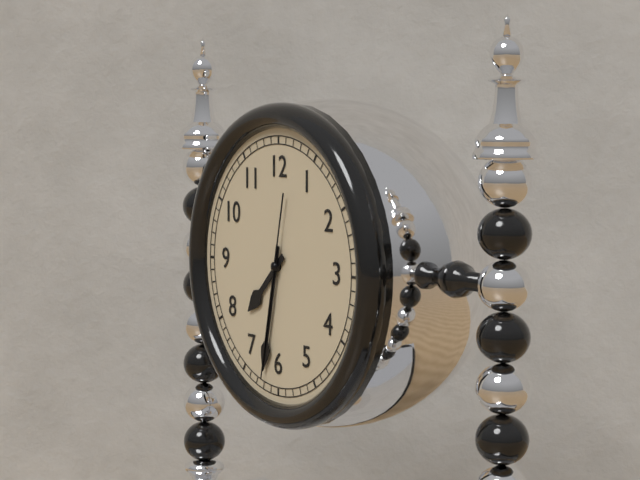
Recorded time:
{"hour": 7, "minute": 32, "second": 32}
